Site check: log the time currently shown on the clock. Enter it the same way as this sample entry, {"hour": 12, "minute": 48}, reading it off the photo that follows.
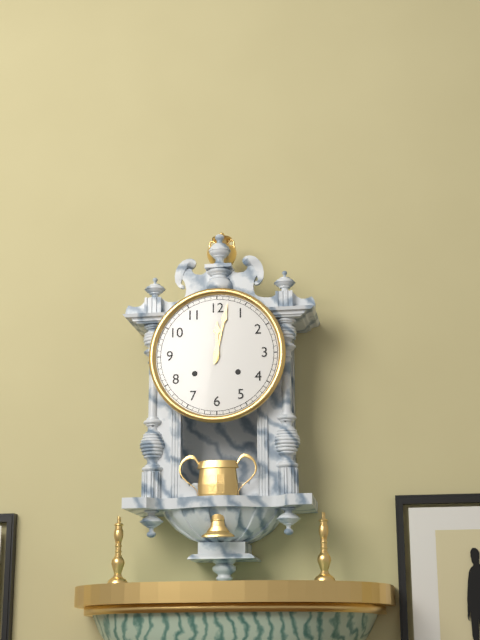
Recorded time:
{"hour": 12, "minute": 2}
